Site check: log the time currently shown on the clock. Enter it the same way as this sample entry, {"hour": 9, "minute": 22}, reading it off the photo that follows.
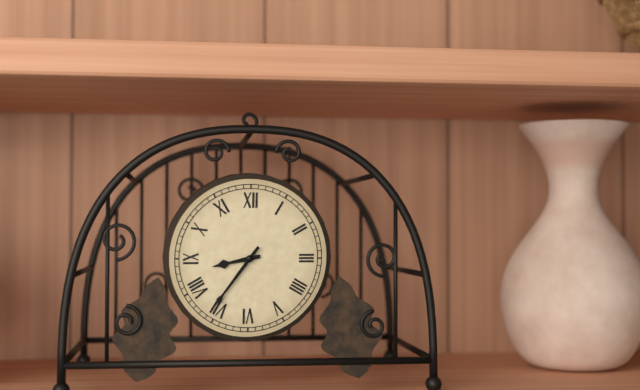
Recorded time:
{"hour": 8, "minute": 36}
